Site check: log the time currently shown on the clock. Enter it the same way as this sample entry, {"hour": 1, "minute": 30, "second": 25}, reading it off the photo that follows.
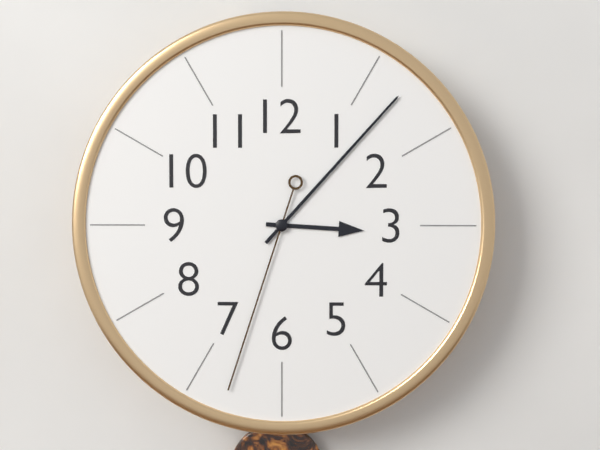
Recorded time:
{"hour": 3, "minute": 7, "second": 33}
